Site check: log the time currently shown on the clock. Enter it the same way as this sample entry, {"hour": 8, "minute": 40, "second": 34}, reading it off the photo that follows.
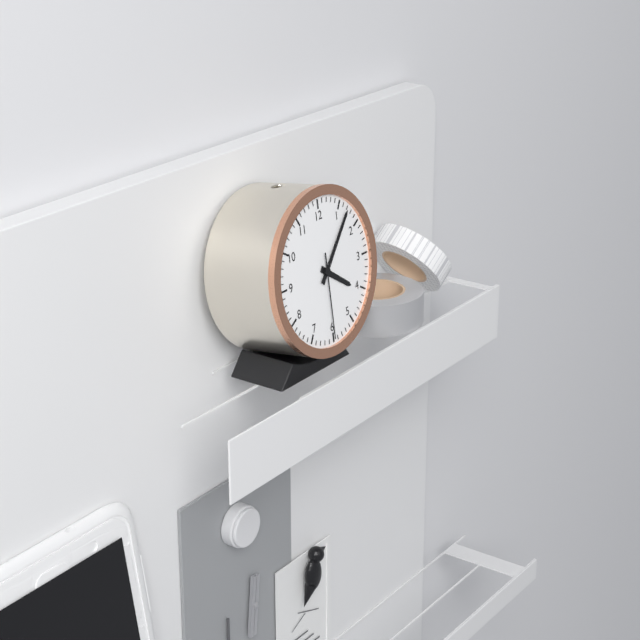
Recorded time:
{"hour": 4, "minute": 7, "second": 30}
